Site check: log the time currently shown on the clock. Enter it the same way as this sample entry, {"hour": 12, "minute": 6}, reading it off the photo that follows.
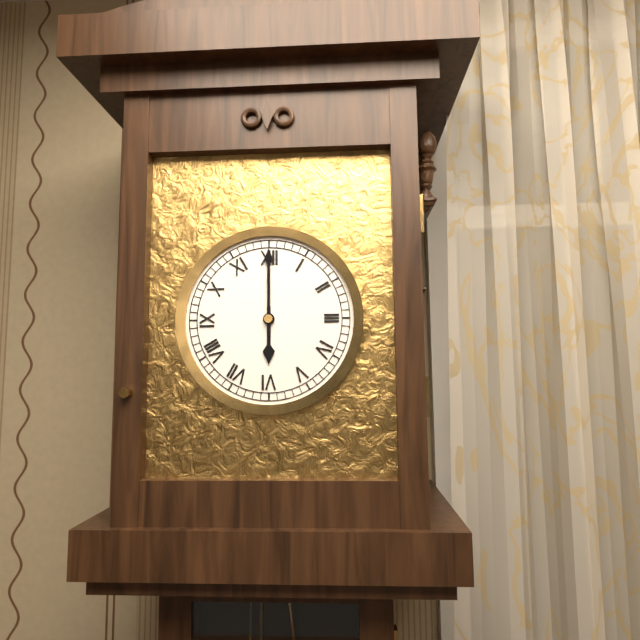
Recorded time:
{"hour": 6, "minute": 0}
